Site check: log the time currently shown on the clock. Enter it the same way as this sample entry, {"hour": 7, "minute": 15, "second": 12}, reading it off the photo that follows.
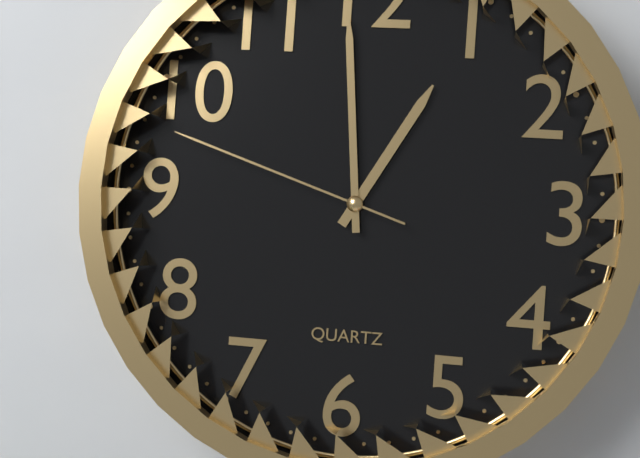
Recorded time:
{"hour": 12, "minute": 59, "second": 48}
